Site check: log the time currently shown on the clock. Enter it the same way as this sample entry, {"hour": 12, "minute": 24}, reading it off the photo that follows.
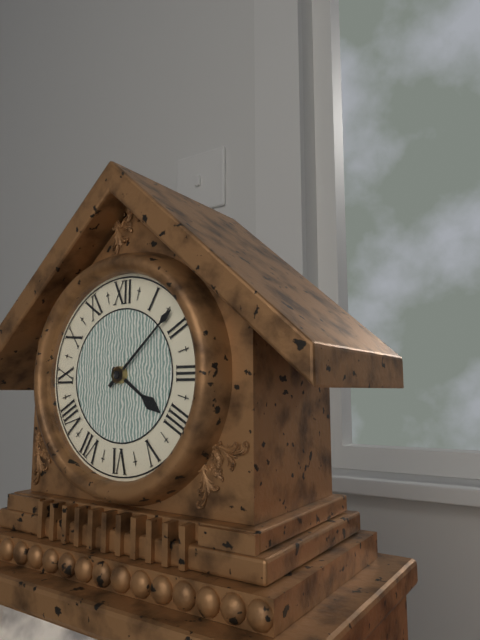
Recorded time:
{"hour": 4, "minute": 8}
